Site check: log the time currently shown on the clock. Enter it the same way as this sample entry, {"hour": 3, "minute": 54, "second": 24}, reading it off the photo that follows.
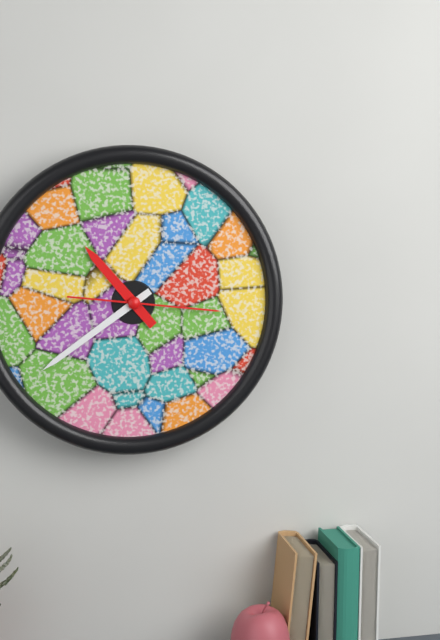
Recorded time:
{"hour": 10, "minute": 39, "second": 16}
